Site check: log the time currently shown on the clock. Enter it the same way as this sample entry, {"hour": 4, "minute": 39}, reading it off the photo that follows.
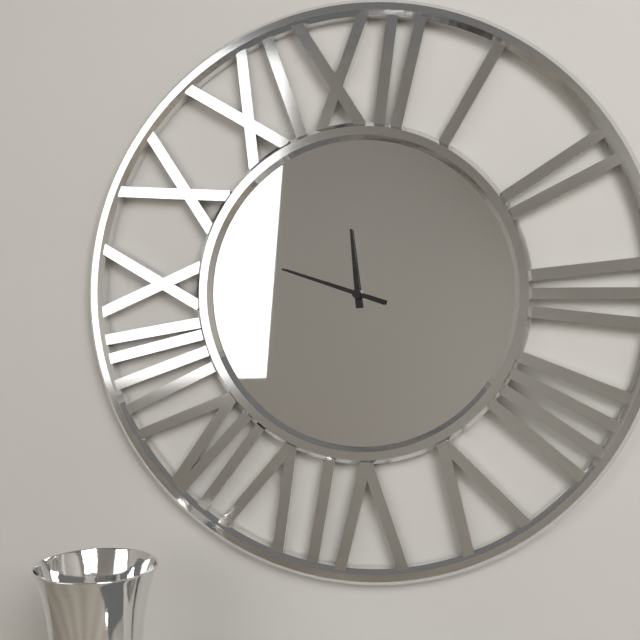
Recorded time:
{"hour": 11, "minute": 48}
